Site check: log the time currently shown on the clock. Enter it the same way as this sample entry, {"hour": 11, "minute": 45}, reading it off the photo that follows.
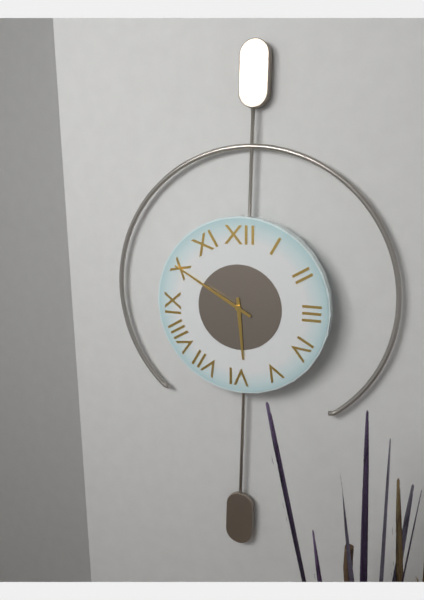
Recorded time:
{"hour": 5, "minute": 50}
